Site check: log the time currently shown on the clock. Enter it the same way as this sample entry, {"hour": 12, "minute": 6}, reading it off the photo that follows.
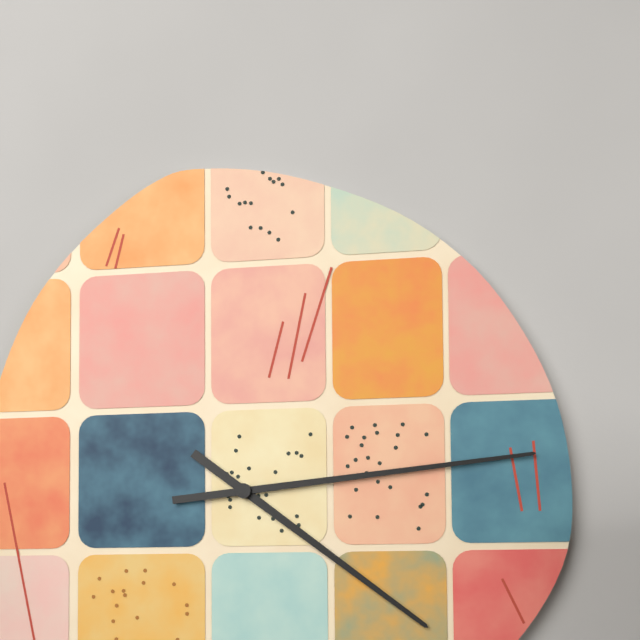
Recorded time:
{"hour": 4, "minute": 14}
